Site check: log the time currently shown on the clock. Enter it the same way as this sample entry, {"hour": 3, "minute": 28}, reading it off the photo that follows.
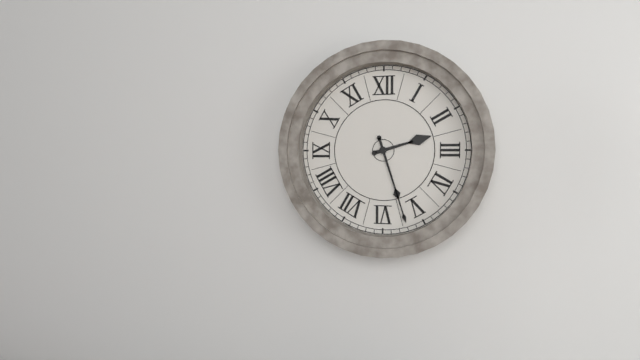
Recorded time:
{"hour": 2, "minute": 27}
